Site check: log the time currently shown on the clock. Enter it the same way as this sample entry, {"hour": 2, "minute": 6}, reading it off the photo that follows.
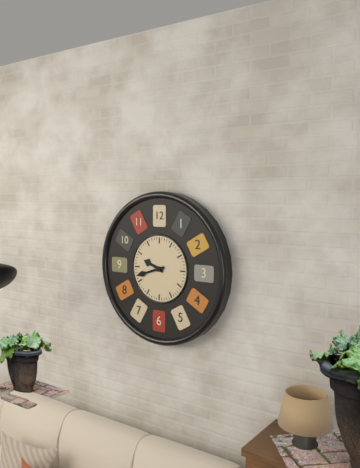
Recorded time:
{"hour": 9, "minute": 42}
